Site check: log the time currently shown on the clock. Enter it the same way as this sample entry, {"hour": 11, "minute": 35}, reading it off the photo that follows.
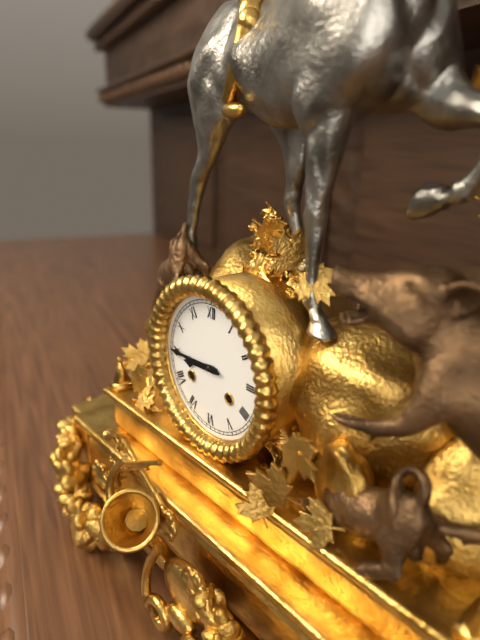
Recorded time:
{"hour": 8, "minute": 45}
